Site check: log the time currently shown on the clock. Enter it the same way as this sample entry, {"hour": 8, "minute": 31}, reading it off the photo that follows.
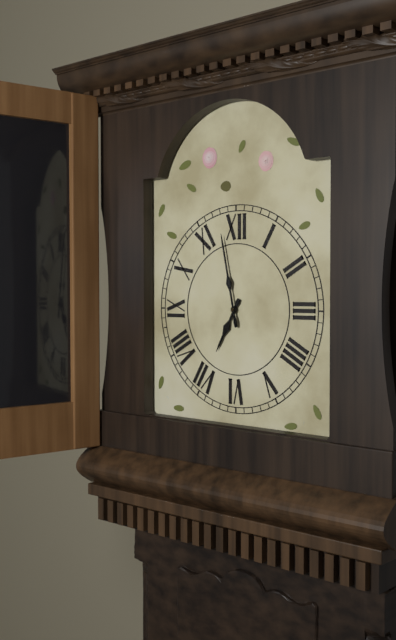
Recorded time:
{"hour": 6, "minute": 58}
